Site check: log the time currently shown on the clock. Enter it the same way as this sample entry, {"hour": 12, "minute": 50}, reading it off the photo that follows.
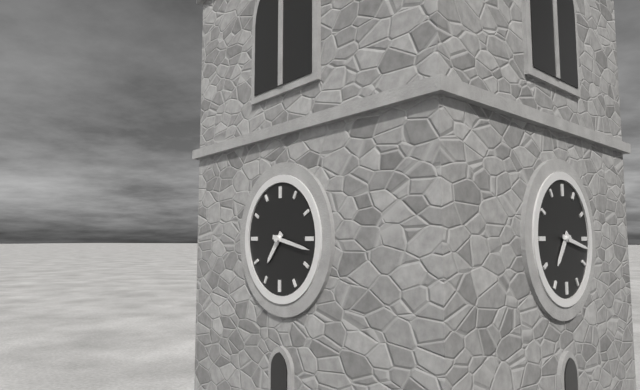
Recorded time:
{"hour": 7, "minute": 17}
